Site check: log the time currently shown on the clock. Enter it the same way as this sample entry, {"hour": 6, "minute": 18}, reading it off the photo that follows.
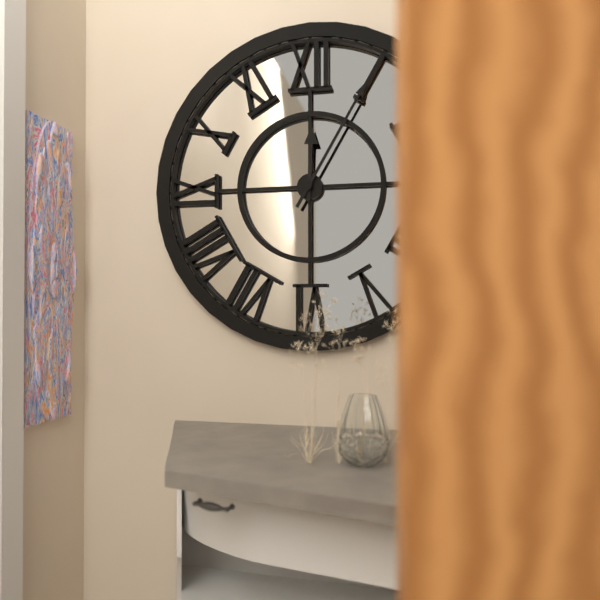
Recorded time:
{"hour": 12, "minute": 5}
